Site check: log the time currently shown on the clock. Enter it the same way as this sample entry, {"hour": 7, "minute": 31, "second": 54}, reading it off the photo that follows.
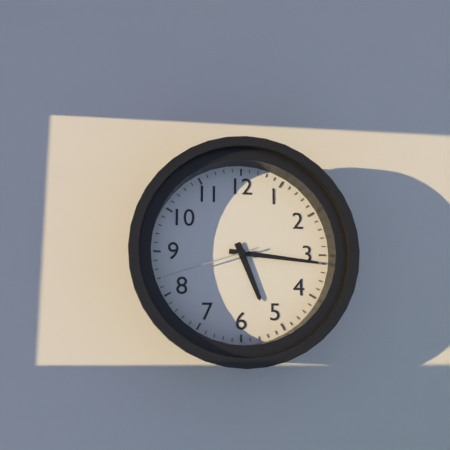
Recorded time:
{"hour": 5, "minute": 16, "second": 42}
